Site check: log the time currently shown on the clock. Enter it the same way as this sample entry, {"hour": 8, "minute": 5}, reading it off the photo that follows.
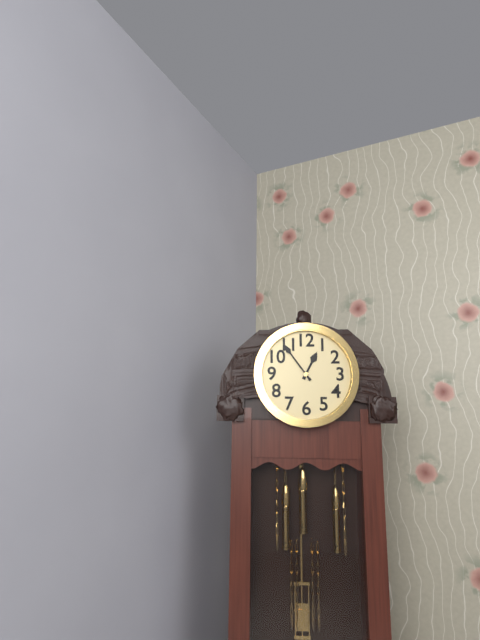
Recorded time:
{"hour": 12, "minute": 54}
